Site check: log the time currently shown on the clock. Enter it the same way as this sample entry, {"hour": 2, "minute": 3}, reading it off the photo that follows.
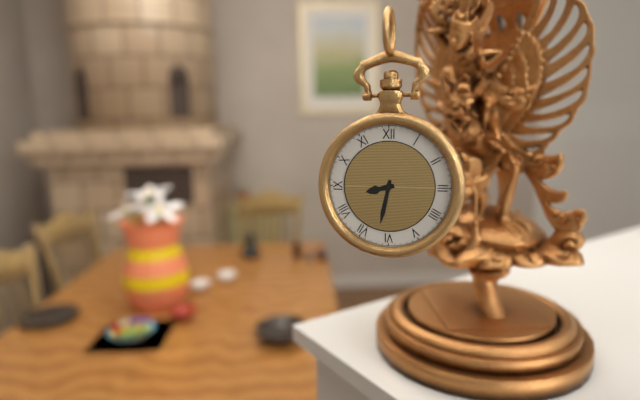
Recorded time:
{"hour": 8, "minute": 32}
